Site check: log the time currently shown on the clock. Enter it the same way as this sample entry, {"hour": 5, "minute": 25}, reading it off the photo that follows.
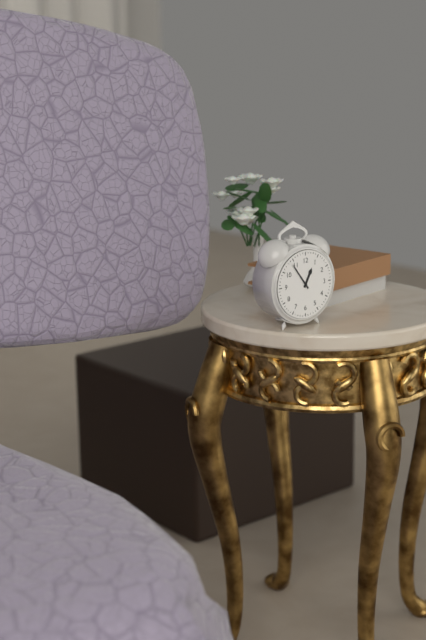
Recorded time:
{"hour": 12, "minute": 54}
